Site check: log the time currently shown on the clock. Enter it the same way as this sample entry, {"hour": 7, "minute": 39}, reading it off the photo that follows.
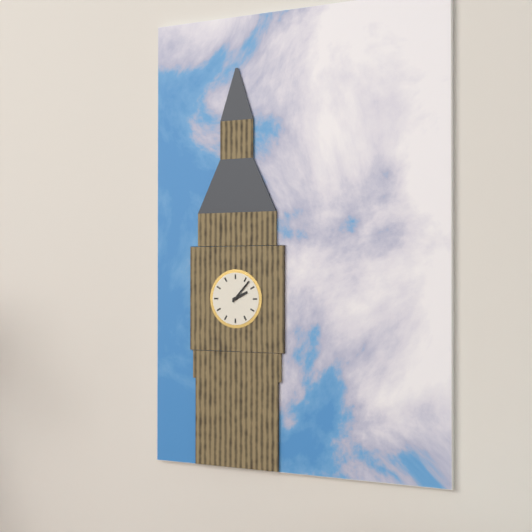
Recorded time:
{"hour": 2, "minute": 7}
